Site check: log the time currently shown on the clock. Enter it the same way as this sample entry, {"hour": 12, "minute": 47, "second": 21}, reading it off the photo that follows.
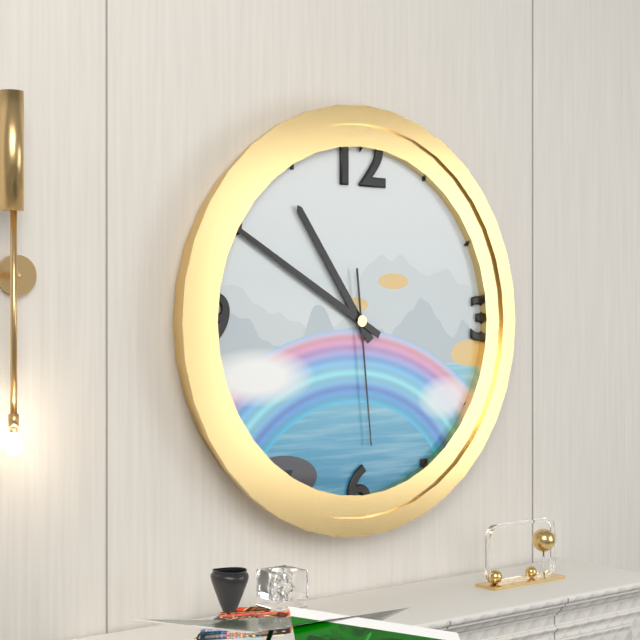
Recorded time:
{"hour": 10, "minute": 50, "second": 29}
